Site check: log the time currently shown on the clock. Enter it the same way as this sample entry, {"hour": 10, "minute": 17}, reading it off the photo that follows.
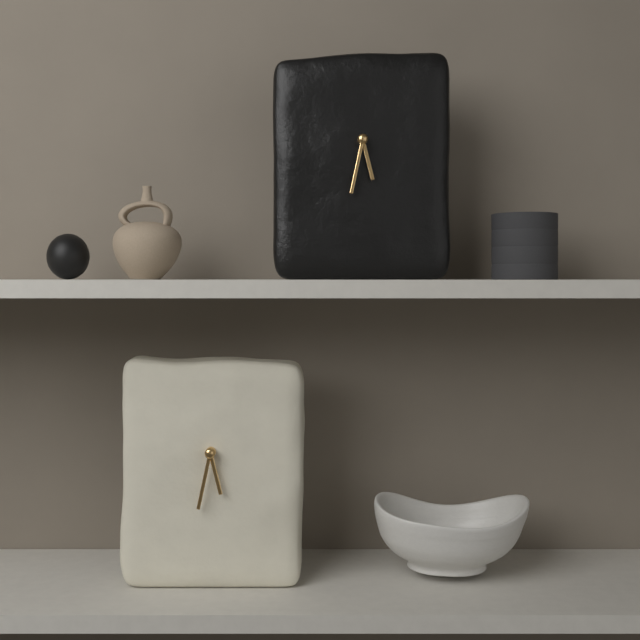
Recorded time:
{"hour": 5, "minute": 32}
